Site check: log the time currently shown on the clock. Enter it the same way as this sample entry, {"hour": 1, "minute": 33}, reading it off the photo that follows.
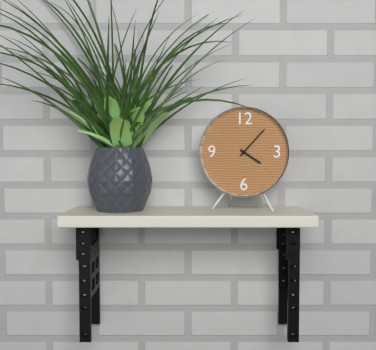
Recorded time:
{"hour": 4, "minute": 7}
